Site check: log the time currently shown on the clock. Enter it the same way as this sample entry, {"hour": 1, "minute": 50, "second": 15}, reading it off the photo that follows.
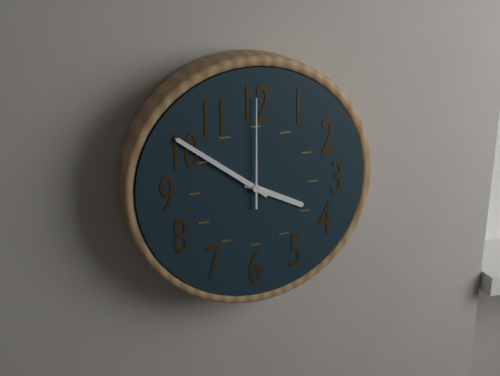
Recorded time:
{"hour": 3, "minute": 51, "second": 0}
